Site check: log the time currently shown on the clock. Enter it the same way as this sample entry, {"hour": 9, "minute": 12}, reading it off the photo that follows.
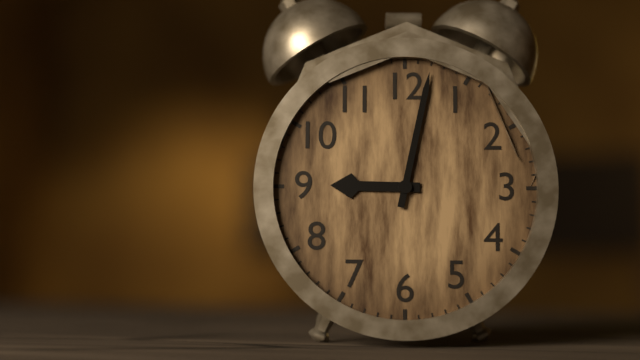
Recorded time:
{"hour": 9, "minute": 2}
